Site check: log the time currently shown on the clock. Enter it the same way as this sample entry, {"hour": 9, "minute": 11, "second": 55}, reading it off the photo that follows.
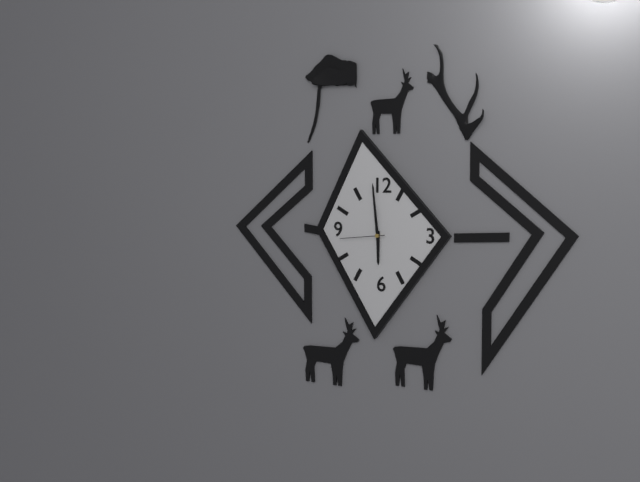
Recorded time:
{"hour": 5, "minute": 59, "second": 44}
